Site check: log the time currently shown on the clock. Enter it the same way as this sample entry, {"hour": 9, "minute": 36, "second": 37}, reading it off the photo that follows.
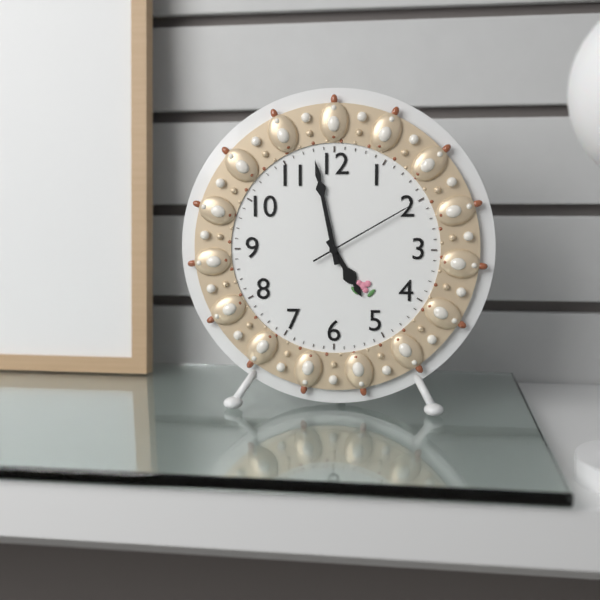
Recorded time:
{"hour": 4, "minute": 58, "second": 10}
